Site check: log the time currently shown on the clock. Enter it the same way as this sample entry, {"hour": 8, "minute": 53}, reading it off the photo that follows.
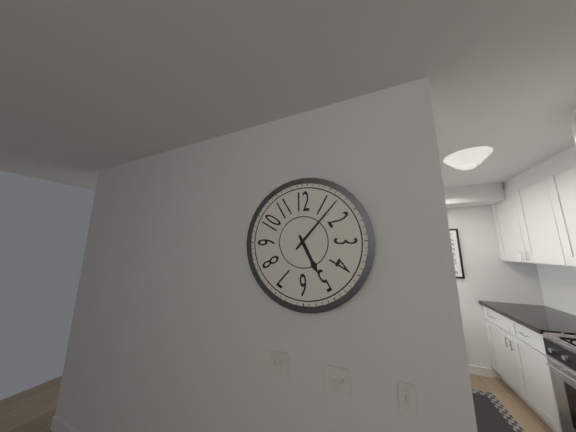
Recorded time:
{"hour": 5, "minute": 7}
